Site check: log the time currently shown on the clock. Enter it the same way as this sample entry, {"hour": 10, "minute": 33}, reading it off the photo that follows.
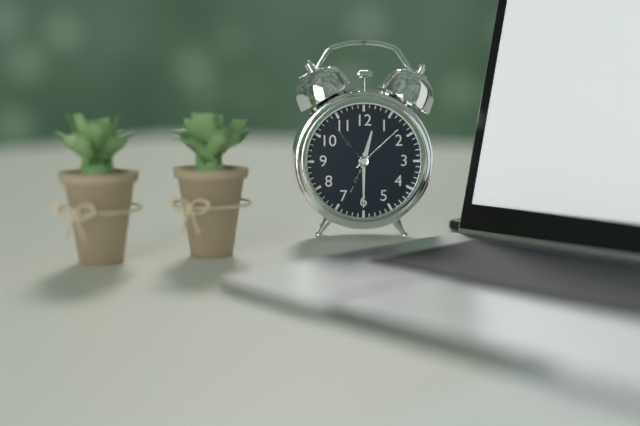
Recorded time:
{"hour": 12, "minute": 30}
